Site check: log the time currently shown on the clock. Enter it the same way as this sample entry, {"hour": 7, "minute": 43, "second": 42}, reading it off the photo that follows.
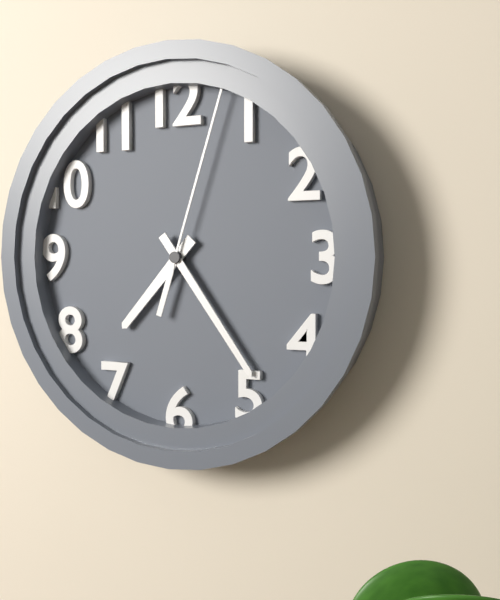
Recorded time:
{"hour": 7, "minute": 24, "second": 3}
